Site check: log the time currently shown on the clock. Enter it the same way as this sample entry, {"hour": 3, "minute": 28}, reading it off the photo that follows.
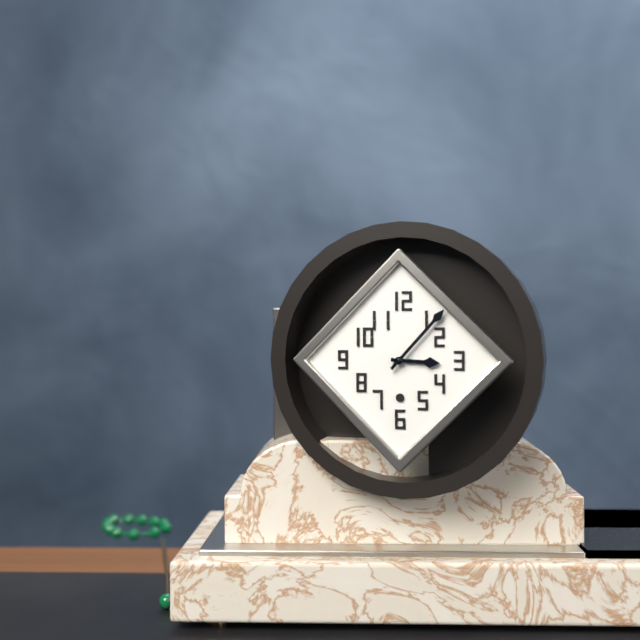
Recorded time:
{"hour": 3, "minute": 7}
